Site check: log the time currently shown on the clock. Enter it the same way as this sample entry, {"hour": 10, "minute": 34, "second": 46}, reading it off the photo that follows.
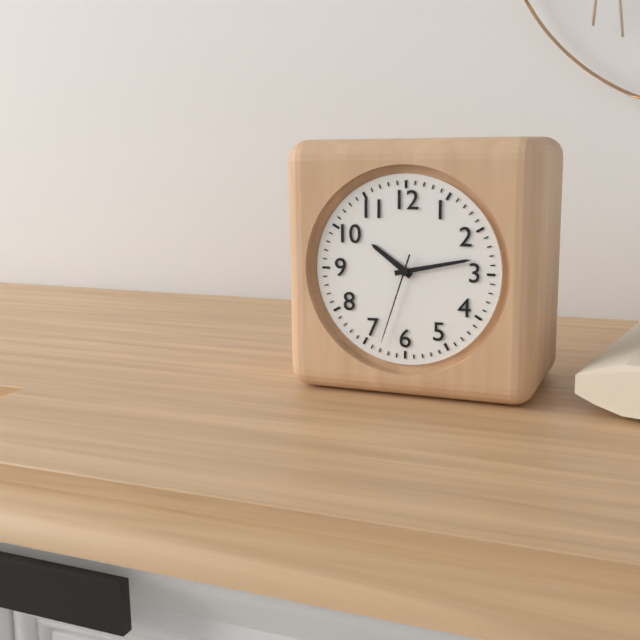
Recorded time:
{"hour": 10, "minute": 13, "second": 33}
